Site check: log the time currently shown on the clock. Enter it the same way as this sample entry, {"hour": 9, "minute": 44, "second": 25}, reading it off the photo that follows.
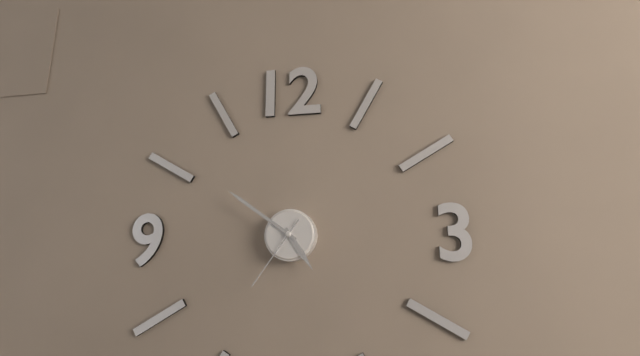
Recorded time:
{"hour": 4, "minute": 51, "second": 36}
